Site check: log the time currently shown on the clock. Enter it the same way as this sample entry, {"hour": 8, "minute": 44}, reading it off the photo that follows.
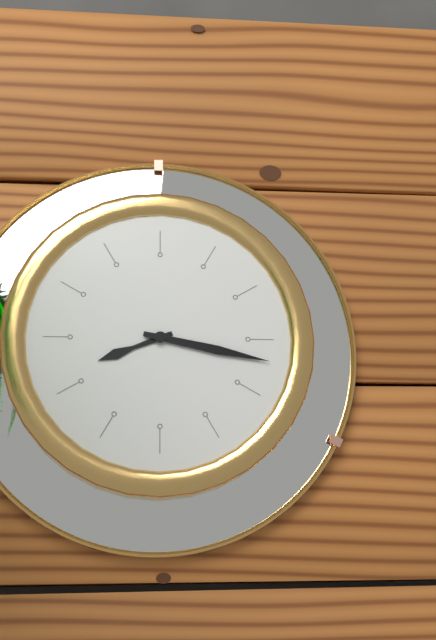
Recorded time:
{"hour": 8, "minute": 17}
